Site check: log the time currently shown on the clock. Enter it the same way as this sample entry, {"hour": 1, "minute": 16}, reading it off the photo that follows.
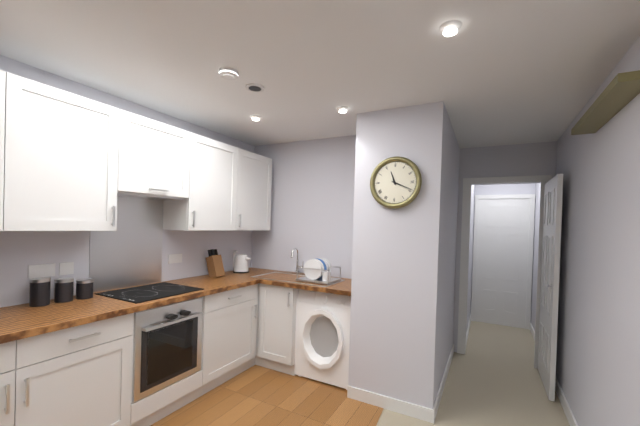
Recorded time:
{"hour": 11, "minute": 19}
